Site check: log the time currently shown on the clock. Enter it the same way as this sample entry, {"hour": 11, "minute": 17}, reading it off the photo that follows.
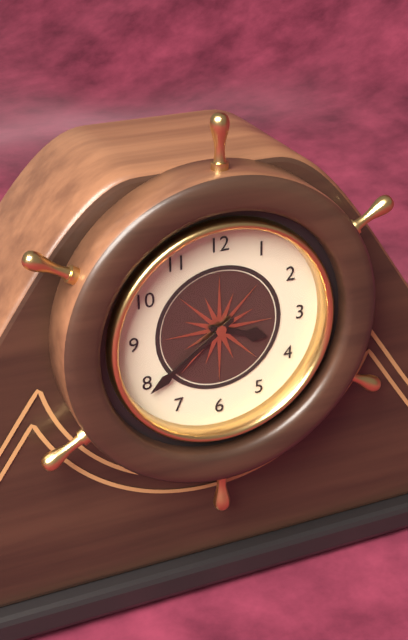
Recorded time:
{"hour": 3, "minute": 39}
